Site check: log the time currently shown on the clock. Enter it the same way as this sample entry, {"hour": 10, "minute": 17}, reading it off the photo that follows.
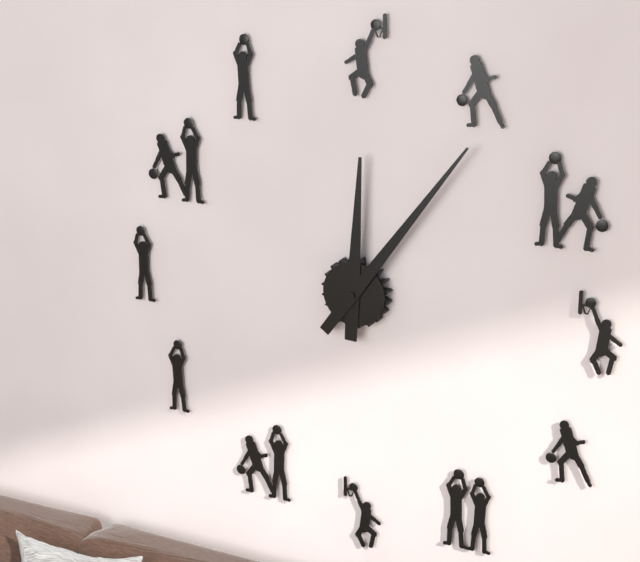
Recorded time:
{"hour": 12, "minute": 6}
